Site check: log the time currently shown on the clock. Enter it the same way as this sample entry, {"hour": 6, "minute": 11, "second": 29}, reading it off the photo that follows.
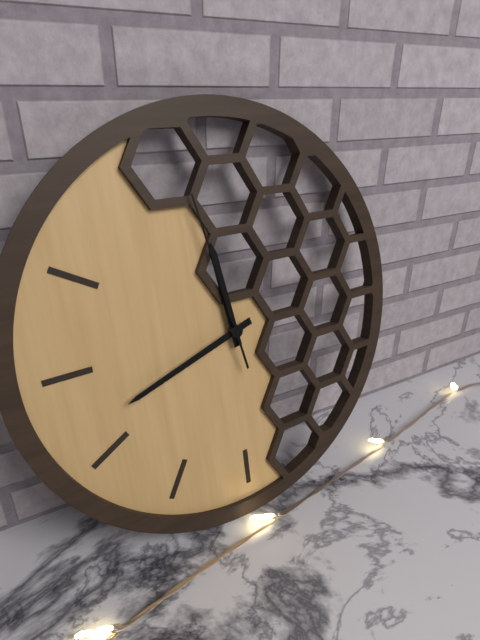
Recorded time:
{"hour": 11, "minute": 42, "second": 58}
